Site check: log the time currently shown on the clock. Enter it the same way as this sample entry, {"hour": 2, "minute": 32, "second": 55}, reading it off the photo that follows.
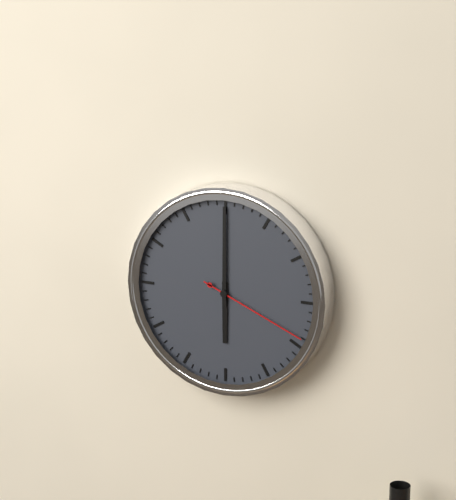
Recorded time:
{"hour": 6, "minute": 0, "second": 19}
